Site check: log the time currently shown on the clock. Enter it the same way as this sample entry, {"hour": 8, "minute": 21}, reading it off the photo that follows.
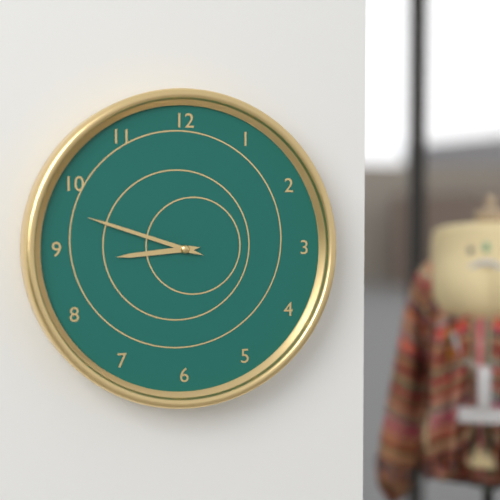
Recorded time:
{"hour": 8, "minute": 48}
